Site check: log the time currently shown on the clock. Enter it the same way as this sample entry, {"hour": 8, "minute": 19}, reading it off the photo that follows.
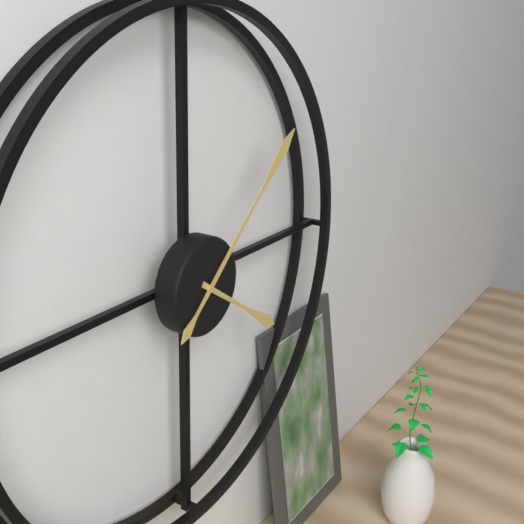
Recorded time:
{"hour": 4, "minute": 8}
